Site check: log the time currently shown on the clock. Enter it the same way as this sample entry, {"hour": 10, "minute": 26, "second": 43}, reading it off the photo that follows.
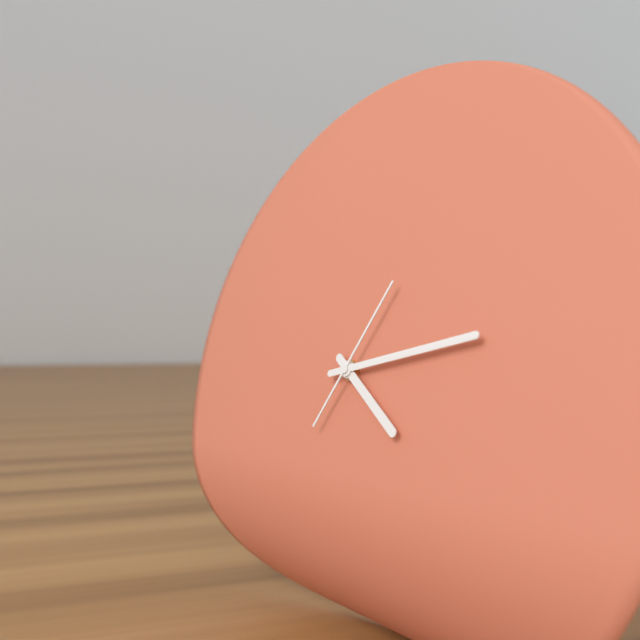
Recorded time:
{"hour": 4, "minute": 13, "second": 5}
